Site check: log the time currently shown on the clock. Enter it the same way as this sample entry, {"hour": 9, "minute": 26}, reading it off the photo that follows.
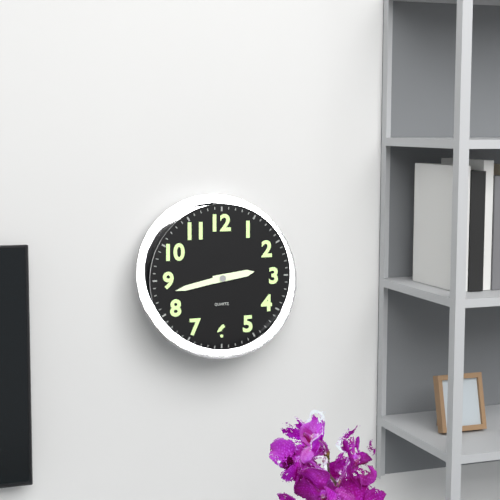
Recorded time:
{"hour": 2, "minute": 43}
